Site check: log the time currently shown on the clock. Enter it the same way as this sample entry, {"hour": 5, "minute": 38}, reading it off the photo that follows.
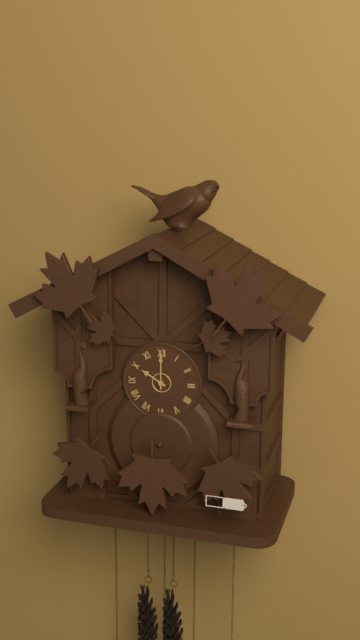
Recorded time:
{"hour": 10, "minute": 0}
